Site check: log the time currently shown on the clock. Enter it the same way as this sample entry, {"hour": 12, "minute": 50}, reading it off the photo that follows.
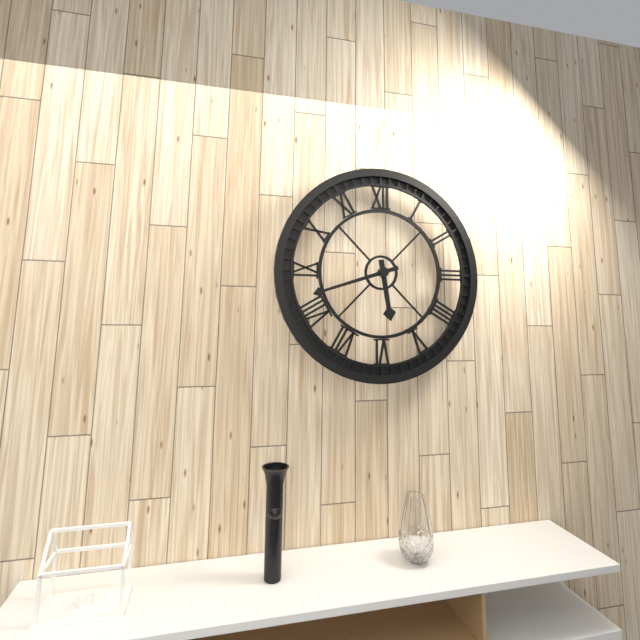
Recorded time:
{"hour": 5, "minute": 42}
